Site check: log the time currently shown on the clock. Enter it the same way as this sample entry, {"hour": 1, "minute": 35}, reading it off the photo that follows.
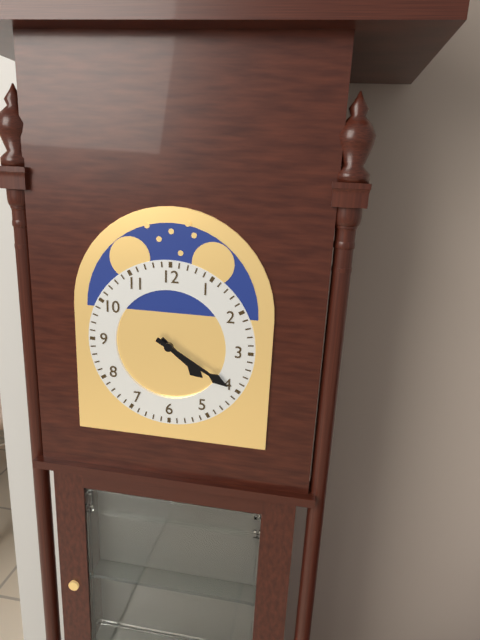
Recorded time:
{"hour": 4, "minute": 20}
